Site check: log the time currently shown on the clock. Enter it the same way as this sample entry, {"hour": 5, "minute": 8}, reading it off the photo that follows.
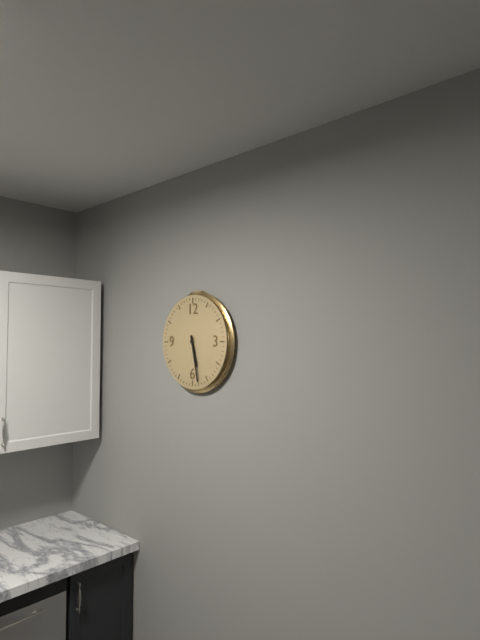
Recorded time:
{"hour": 5, "minute": 28}
